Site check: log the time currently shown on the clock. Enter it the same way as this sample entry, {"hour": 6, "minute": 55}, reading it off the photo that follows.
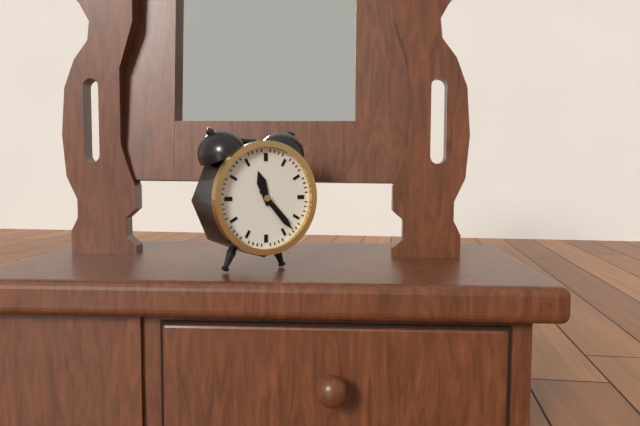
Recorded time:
{"hour": 11, "minute": 23}
